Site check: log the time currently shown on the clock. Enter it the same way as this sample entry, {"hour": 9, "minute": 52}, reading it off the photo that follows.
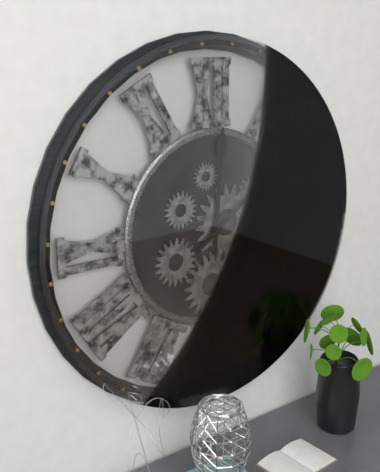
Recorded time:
{"hour": 12, "minute": 9}
